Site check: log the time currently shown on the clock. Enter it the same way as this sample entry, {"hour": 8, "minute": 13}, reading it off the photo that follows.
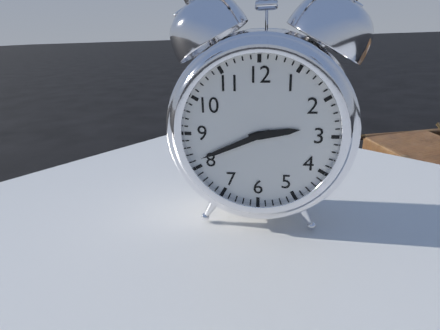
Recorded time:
{"hour": 2, "minute": 41}
